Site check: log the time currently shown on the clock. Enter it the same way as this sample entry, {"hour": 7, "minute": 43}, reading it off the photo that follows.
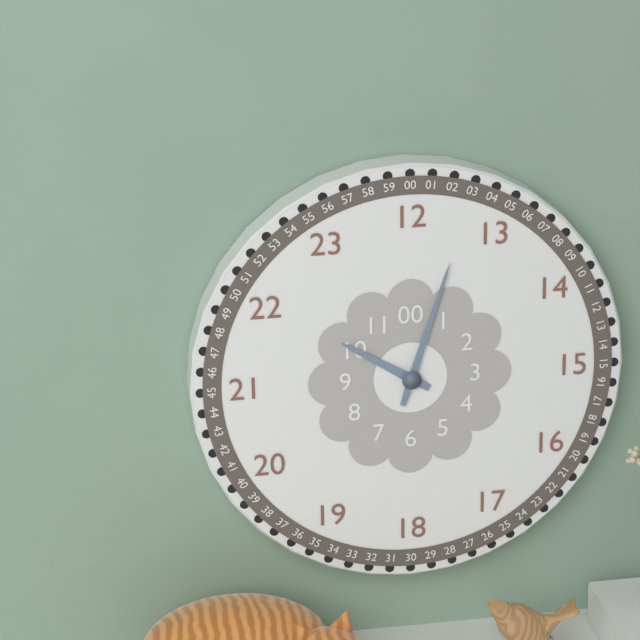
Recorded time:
{"hour": 10, "minute": 3}
